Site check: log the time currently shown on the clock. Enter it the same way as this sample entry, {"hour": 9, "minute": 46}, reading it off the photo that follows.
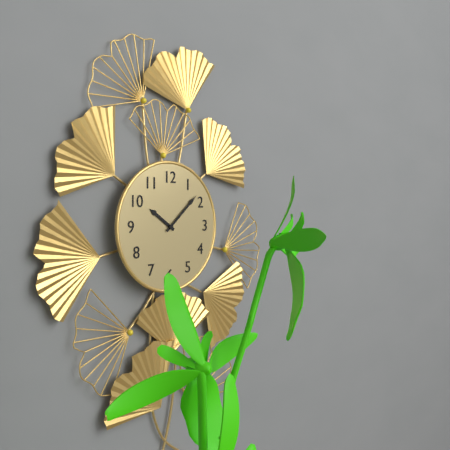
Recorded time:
{"hour": 10, "minute": 8}
